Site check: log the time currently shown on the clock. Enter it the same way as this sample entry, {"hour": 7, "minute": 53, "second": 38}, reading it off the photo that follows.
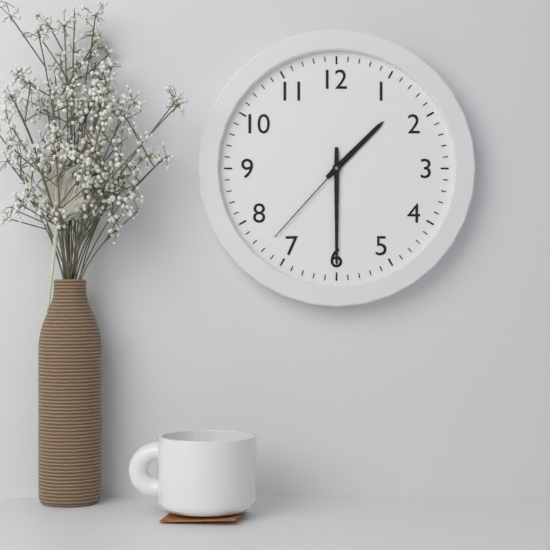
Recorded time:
{"hour": 1, "minute": 30, "second": 37}
